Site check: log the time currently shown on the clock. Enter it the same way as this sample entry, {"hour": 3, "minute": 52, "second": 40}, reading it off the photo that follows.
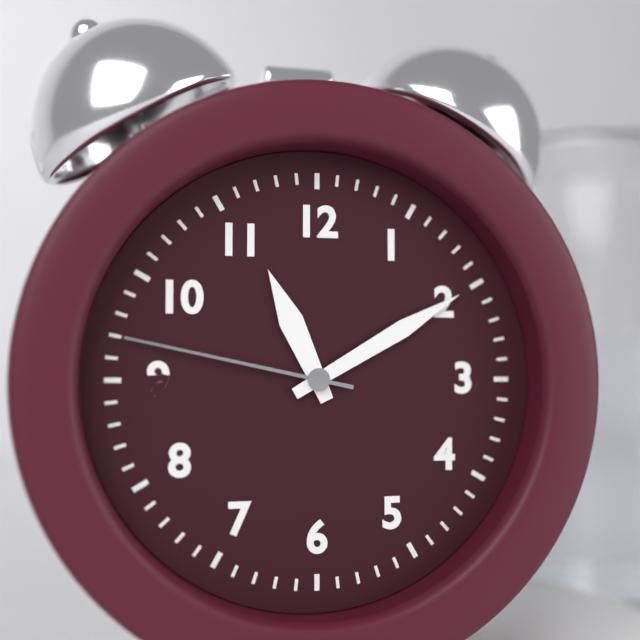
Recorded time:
{"hour": 11, "minute": 10, "second": 47}
